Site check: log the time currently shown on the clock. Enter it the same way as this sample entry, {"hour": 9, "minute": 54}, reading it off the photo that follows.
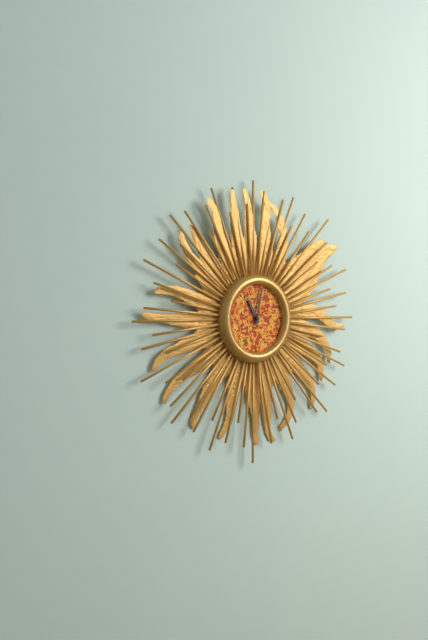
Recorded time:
{"hour": 11, "minute": 2}
